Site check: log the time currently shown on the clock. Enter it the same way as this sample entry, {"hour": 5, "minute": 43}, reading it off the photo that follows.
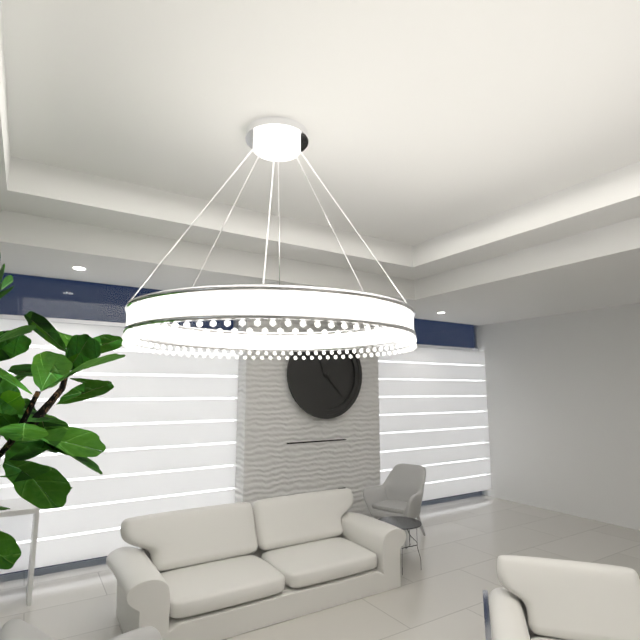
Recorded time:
{"hour": 11, "minute": 23}
